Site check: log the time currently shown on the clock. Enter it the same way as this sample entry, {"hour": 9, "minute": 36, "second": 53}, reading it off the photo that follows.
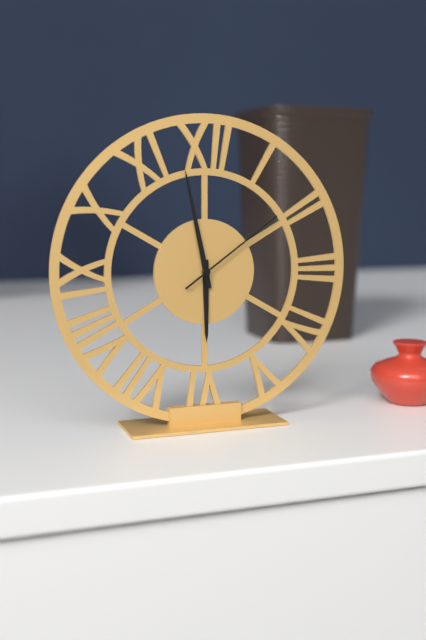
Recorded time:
{"hour": 5, "minute": 58, "second": 9}
